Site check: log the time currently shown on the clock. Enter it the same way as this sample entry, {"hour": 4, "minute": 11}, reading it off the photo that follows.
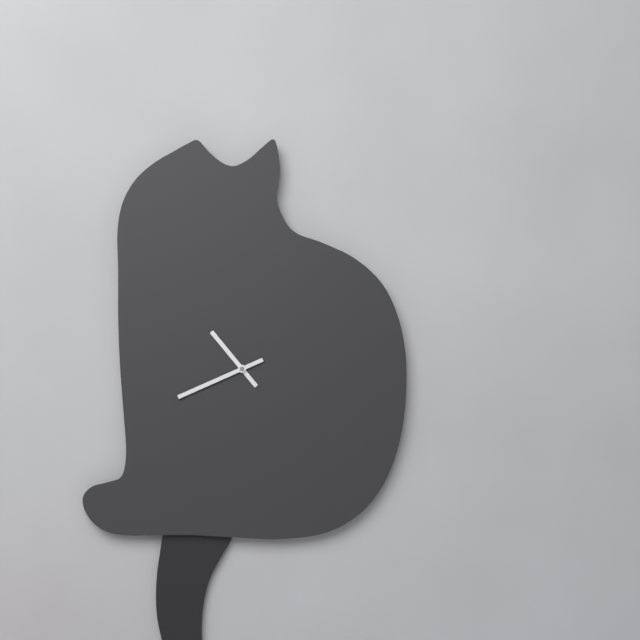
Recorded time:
{"hour": 10, "minute": 41}
